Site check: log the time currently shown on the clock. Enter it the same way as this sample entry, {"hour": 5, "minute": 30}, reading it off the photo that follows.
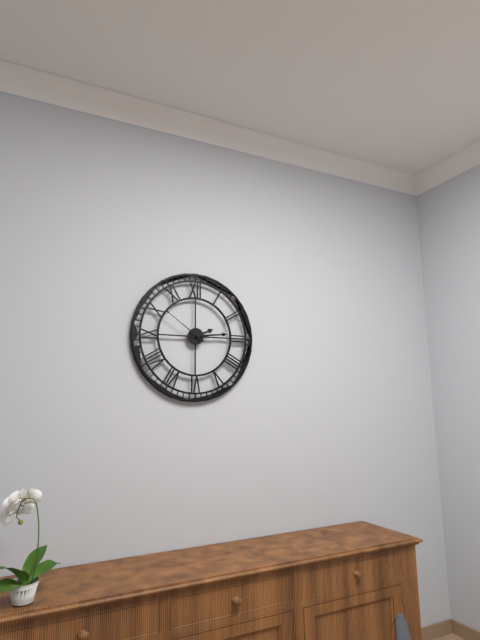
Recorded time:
{"hour": 2, "minute": 14}
